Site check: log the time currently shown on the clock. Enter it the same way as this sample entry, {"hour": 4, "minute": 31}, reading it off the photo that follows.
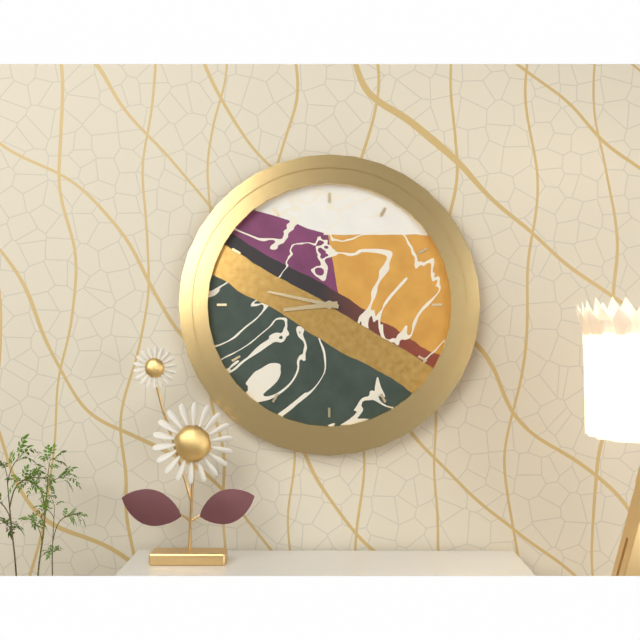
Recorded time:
{"hour": 8, "minute": 47}
